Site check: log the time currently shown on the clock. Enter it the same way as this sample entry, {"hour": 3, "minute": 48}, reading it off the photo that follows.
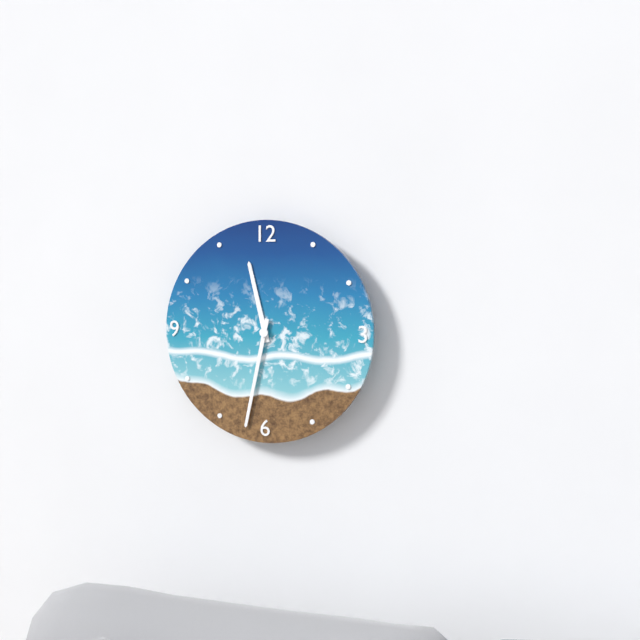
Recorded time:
{"hour": 11, "minute": 32}
